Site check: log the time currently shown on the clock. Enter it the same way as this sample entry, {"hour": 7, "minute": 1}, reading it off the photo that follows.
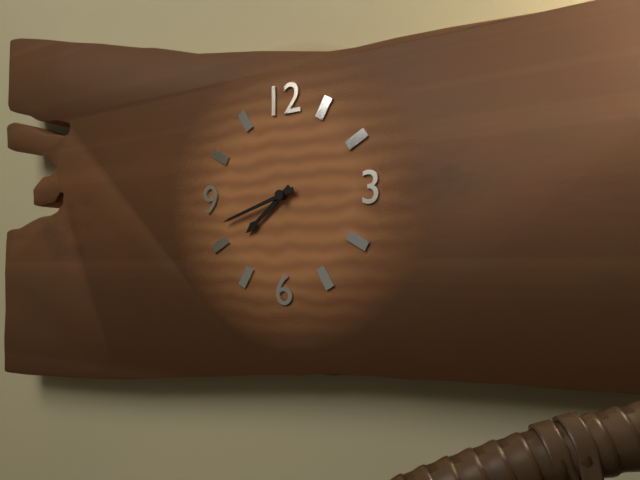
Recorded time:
{"hour": 7, "minute": 42}
